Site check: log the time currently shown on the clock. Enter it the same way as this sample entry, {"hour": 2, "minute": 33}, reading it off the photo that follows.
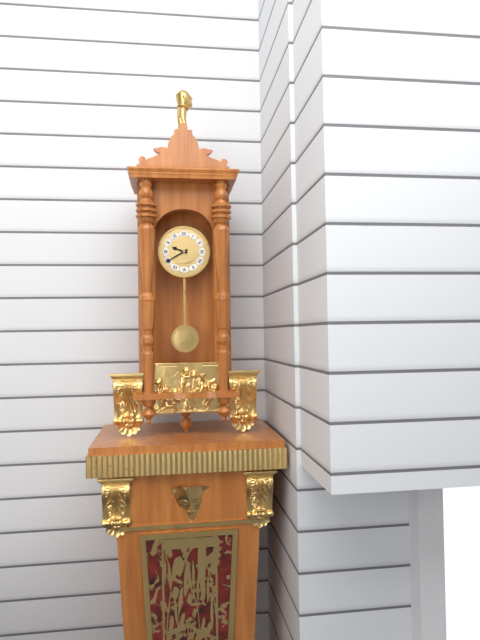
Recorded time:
{"hour": 9, "minute": 40}
